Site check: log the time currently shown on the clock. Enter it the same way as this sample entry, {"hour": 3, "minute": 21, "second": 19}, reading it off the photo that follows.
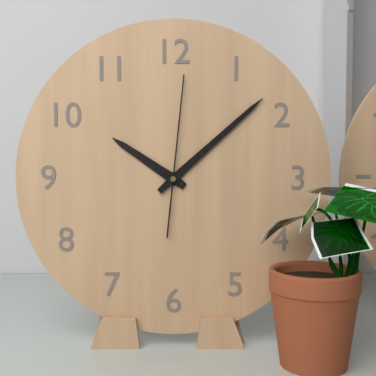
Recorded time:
{"hour": 10, "minute": 8, "second": 1}
